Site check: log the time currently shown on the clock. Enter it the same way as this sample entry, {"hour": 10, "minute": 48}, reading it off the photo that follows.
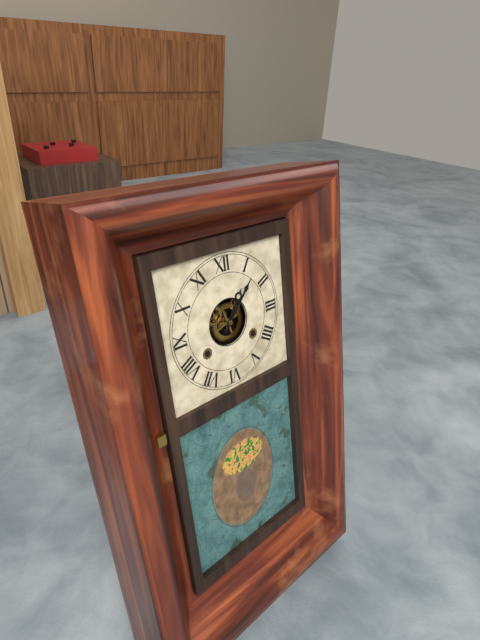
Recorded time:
{"hour": 1, "minute": 7}
